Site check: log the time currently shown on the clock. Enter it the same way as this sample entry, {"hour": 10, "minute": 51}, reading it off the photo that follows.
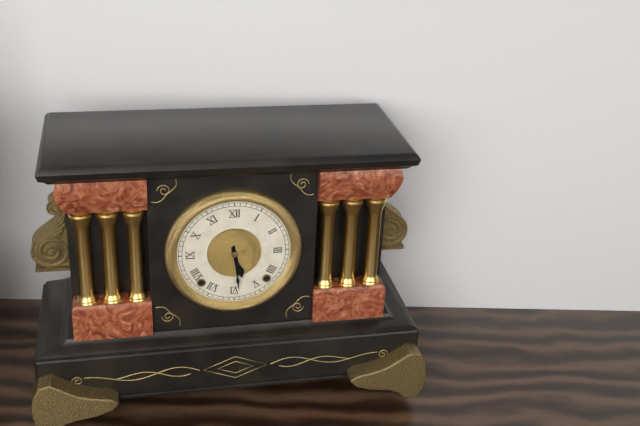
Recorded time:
{"hour": 5, "minute": 29}
